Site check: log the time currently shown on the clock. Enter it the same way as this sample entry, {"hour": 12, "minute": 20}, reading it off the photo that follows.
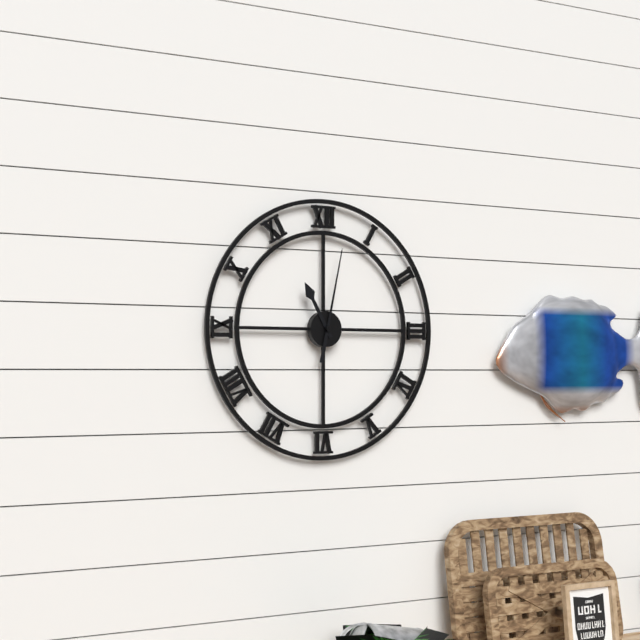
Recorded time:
{"hour": 11, "minute": 2}
